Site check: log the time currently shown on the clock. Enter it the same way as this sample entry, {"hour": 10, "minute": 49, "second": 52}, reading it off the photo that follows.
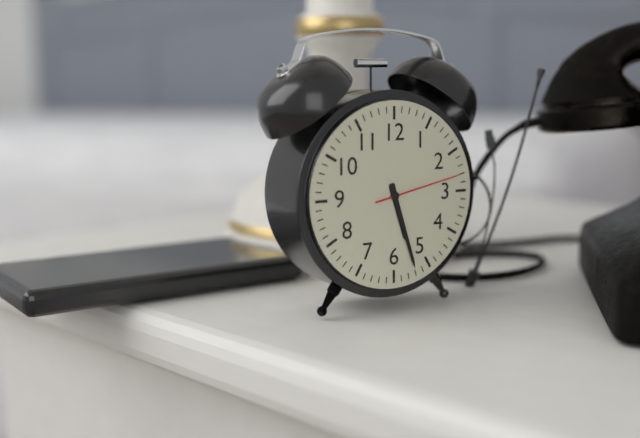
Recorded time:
{"hour": 5, "minute": 27, "second": 13}
